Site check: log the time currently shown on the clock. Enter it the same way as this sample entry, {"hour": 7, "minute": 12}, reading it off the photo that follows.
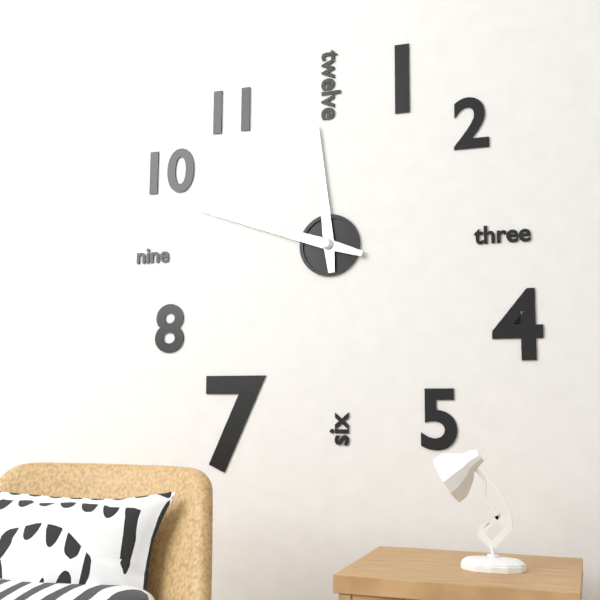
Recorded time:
{"hour": 11, "minute": 48}
